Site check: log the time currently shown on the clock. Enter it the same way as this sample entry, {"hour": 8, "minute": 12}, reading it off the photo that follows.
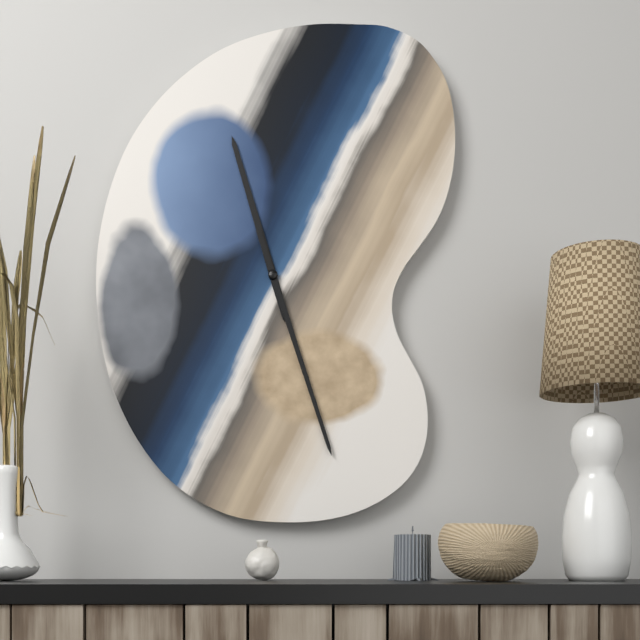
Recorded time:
{"hour": 11, "minute": 27}
